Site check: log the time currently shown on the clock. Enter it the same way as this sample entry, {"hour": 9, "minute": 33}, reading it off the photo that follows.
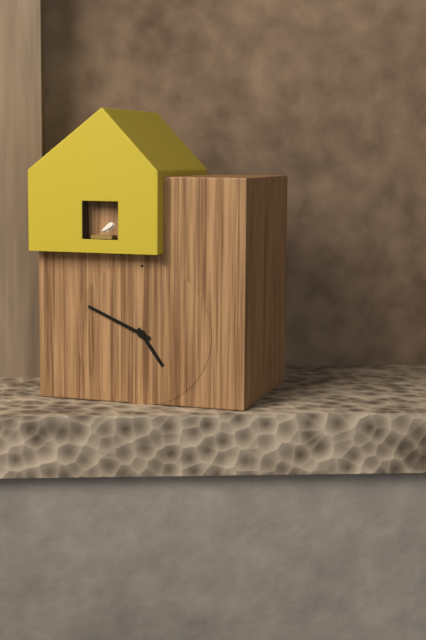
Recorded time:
{"hour": 4, "minute": 49}
